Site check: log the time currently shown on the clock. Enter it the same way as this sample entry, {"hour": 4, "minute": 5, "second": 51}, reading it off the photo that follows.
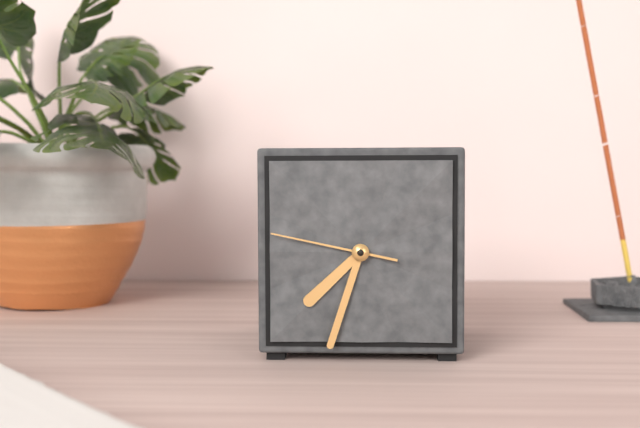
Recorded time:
{"hour": 7, "minute": 33, "second": 47}
